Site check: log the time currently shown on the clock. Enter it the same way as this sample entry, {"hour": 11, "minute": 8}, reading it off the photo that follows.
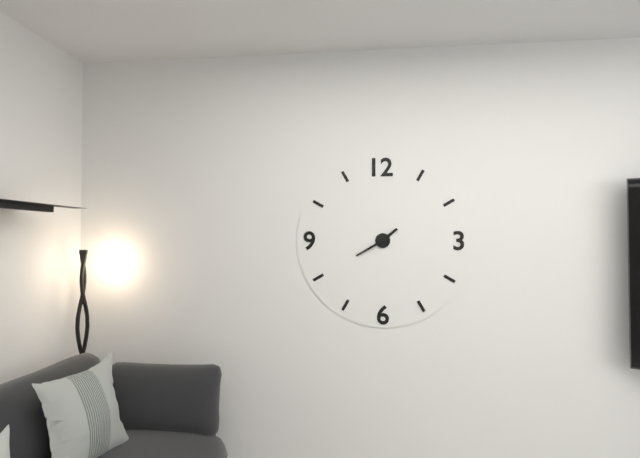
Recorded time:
{"hour": 1, "minute": 40}
